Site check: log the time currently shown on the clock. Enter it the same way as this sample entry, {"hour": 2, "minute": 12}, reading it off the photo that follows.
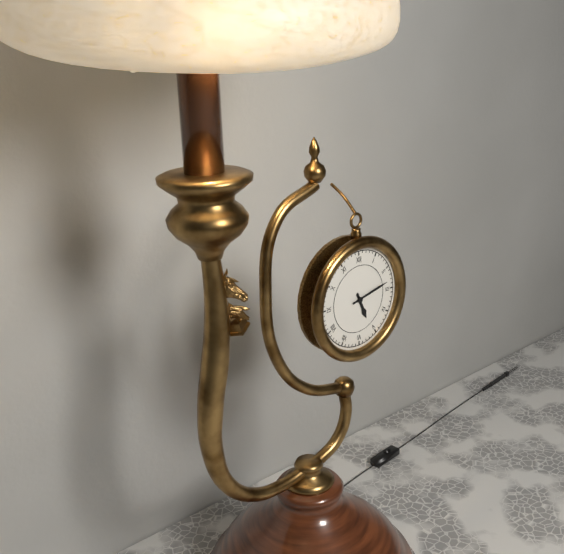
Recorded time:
{"hour": 5, "minute": 13}
